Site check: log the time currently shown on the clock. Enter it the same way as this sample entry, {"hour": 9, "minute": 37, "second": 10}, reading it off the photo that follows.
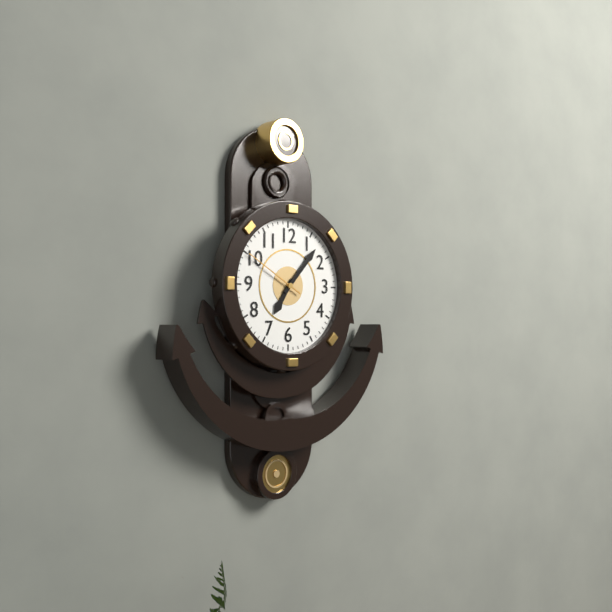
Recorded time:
{"hour": 7, "minute": 7, "second": 50}
